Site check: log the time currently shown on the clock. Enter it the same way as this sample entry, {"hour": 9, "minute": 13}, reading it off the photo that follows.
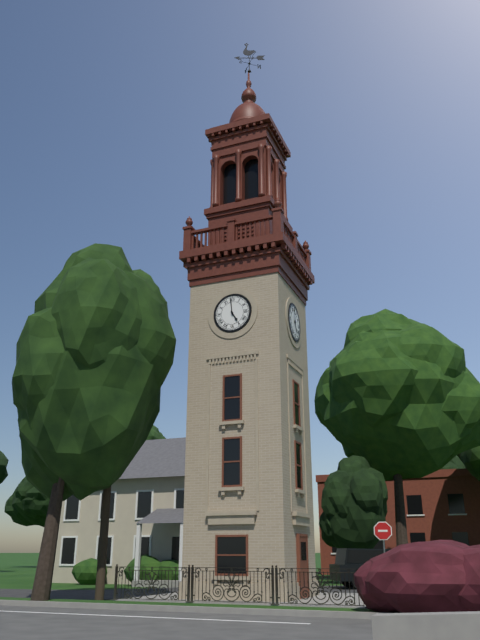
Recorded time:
{"hour": 4, "minute": 59}
